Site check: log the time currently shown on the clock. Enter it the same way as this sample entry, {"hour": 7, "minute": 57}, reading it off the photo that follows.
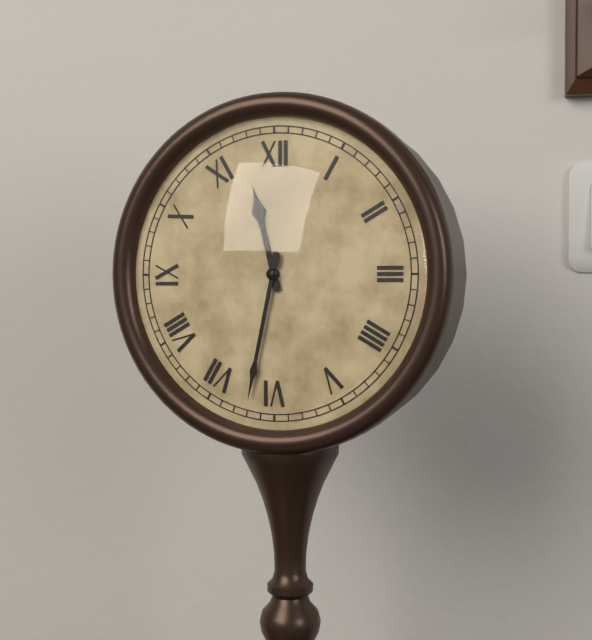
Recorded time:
{"hour": 11, "minute": 32}
